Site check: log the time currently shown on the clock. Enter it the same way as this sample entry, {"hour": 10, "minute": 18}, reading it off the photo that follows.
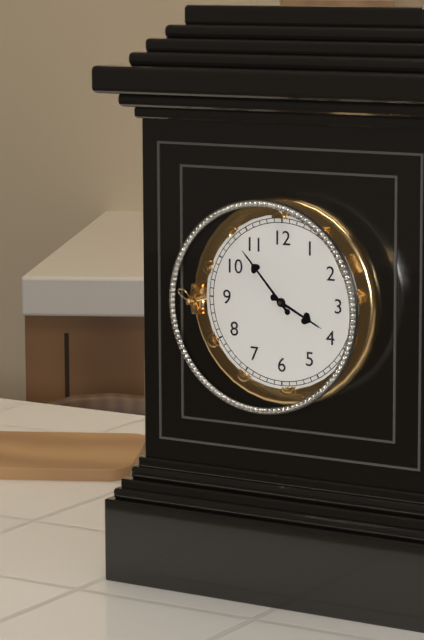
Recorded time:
{"hour": 3, "minute": 53}
